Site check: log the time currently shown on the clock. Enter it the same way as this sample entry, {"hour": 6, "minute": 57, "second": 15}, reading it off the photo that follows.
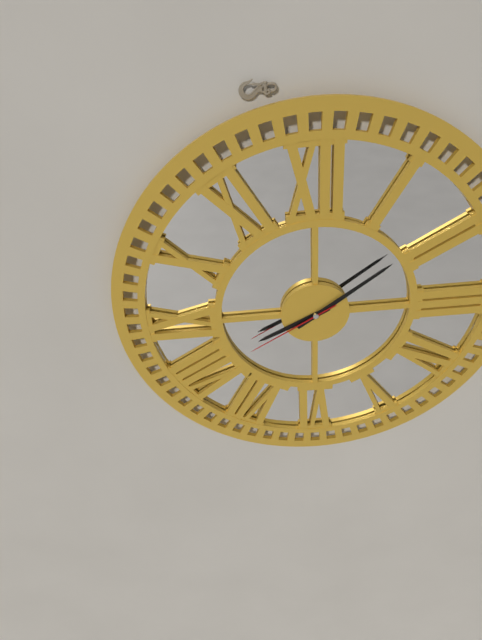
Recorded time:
{"hour": 8, "minute": 9, "second": 40}
